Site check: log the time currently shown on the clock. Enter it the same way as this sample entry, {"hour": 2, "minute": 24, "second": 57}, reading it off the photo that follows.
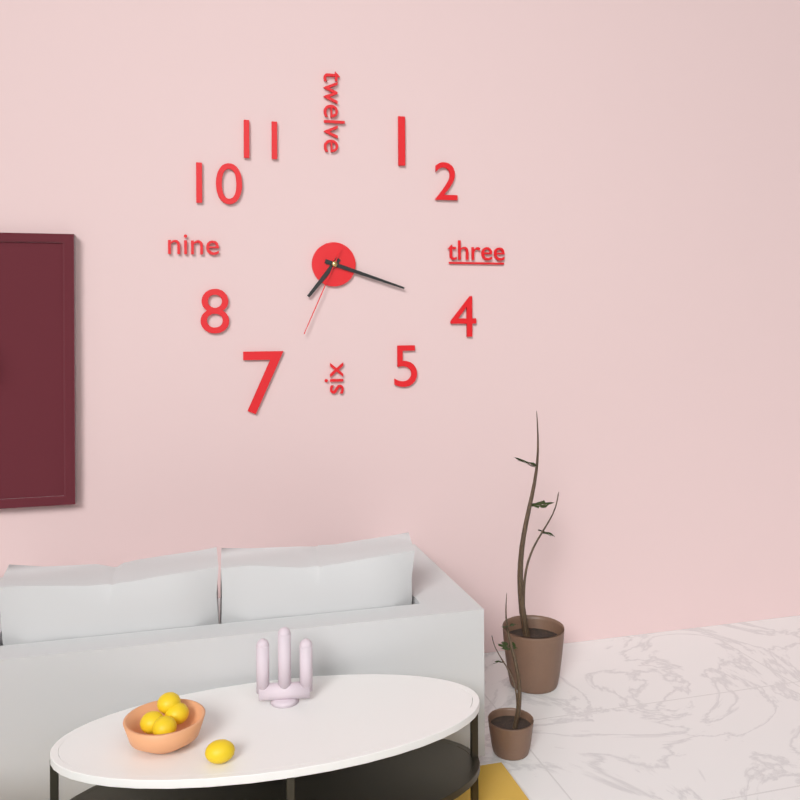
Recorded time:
{"hour": 7, "minute": 18, "second": 34}
